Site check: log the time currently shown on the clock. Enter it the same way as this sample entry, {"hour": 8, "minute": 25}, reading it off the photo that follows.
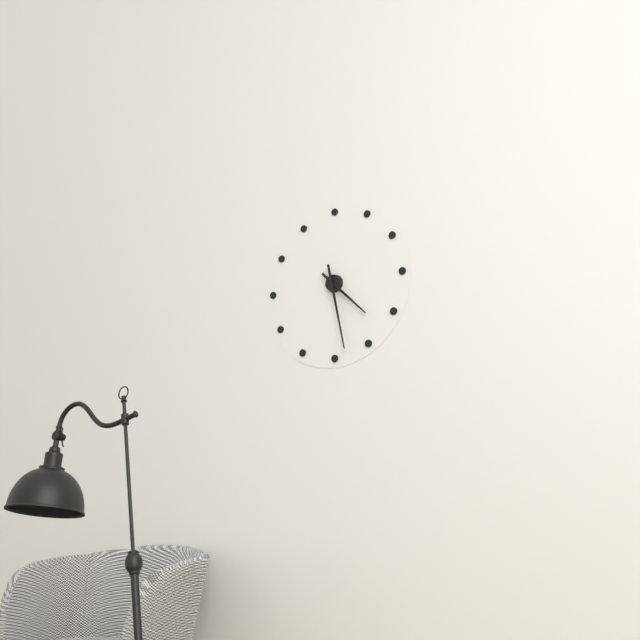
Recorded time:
{"hour": 4, "minute": 28}
